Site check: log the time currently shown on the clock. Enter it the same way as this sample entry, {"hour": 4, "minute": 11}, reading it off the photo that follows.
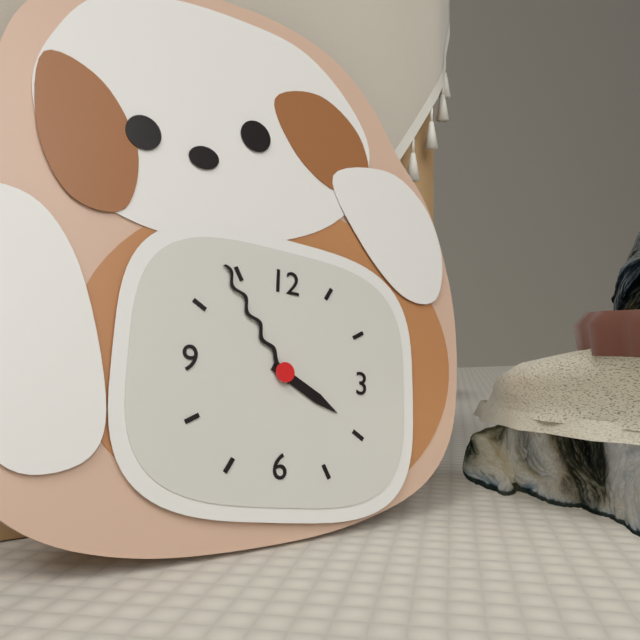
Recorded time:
{"hour": 3, "minute": 54}
